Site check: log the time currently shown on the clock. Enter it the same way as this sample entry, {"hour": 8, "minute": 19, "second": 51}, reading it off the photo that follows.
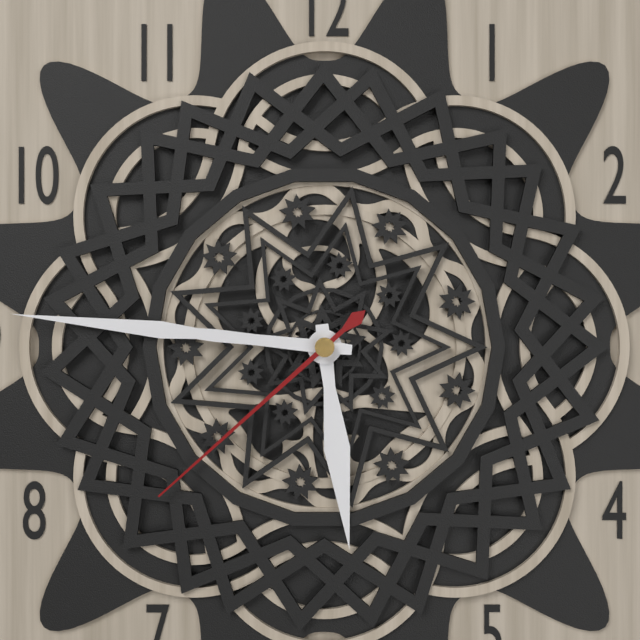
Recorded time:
{"hour": 5, "minute": 46, "second": 38}
